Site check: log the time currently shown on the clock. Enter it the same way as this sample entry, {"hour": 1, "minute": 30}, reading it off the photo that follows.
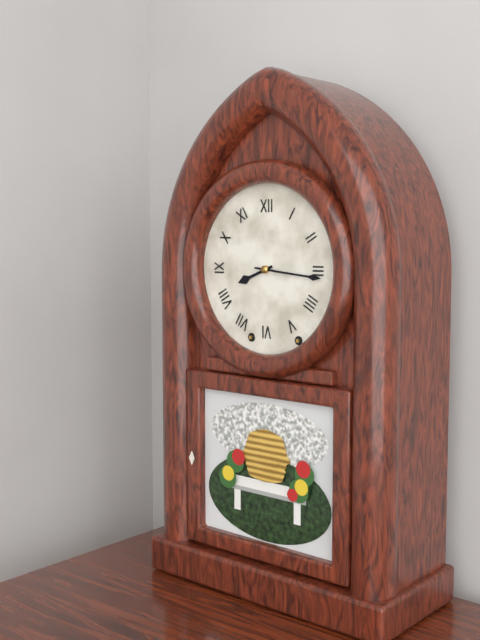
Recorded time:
{"hour": 8, "minute": 16}
